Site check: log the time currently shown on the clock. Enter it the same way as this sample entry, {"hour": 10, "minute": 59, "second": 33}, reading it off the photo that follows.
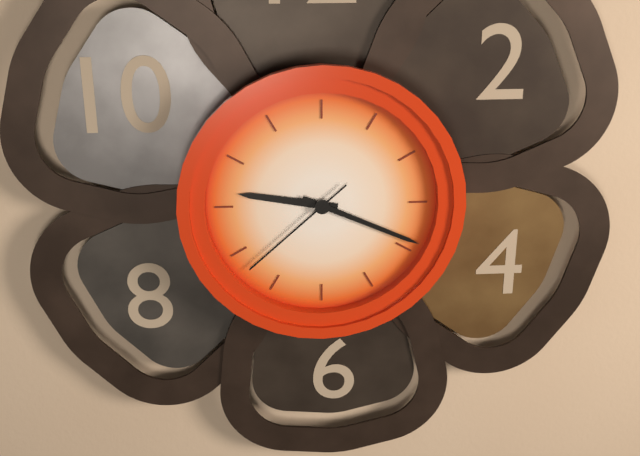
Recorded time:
{"hour": 9, "minute": 19, "second": 38}
